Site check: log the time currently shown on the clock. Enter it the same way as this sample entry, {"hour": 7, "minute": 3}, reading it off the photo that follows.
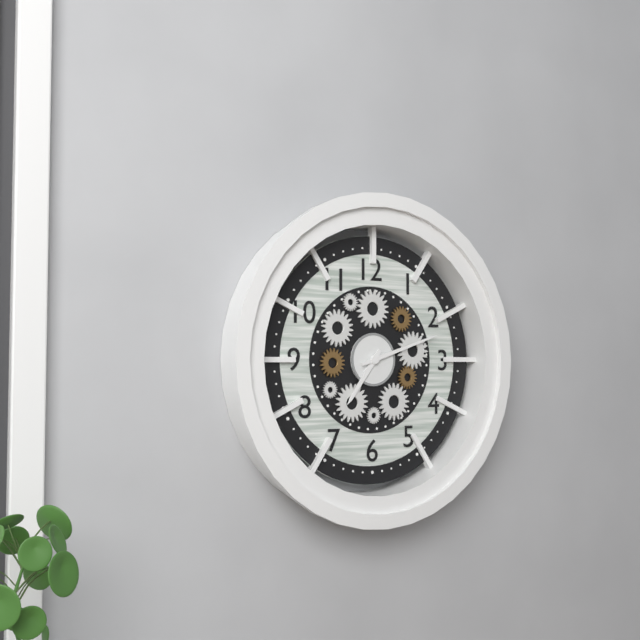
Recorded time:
{"hour": 7, "minute": 12}
